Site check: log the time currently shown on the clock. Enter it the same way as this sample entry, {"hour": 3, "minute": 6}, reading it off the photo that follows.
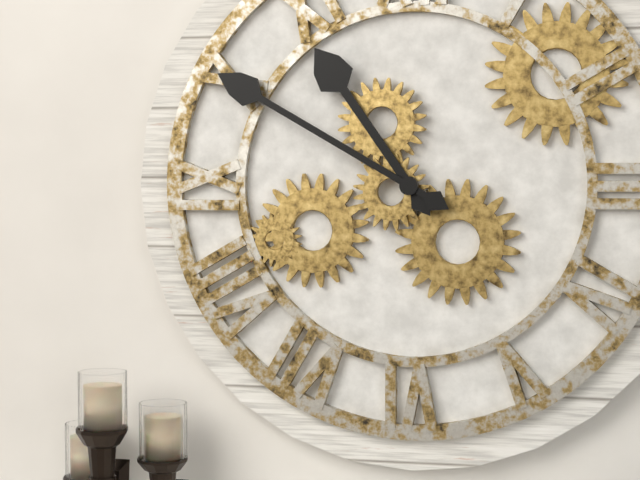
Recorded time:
{"hour": 10, "minute": 50}
